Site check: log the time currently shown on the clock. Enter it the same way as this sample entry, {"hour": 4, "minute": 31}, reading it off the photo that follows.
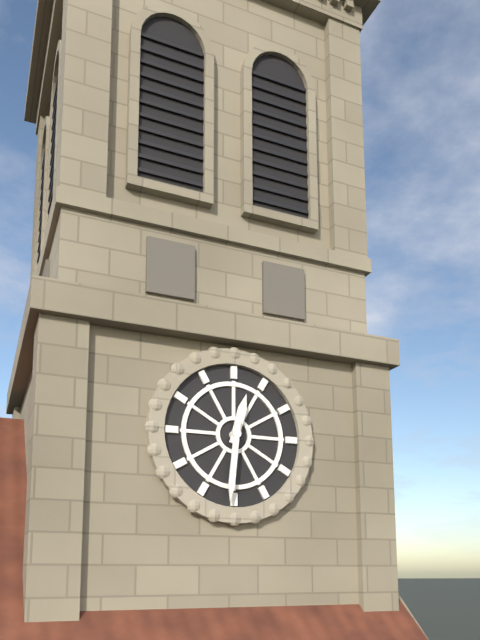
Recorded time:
{"hour": 12, "minute": 31}
